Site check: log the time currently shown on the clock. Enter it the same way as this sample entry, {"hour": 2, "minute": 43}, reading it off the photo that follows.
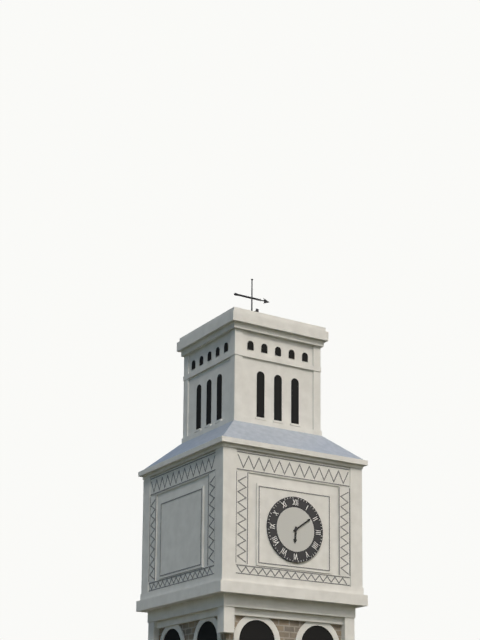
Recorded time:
{"hour": 6, "minute": 9}
